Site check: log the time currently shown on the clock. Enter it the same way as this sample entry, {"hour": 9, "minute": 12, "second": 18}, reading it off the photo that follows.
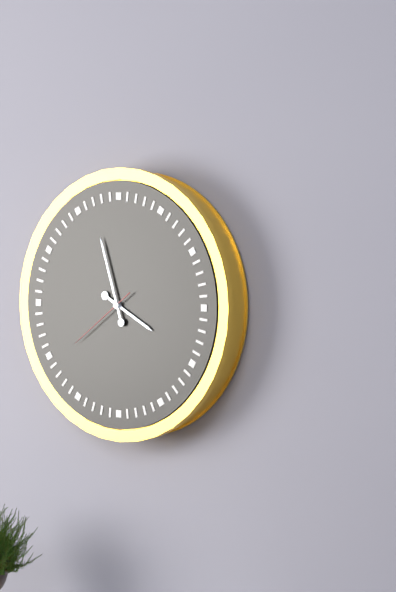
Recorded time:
{"hour": 3, "minute": 57, "second": 39}
